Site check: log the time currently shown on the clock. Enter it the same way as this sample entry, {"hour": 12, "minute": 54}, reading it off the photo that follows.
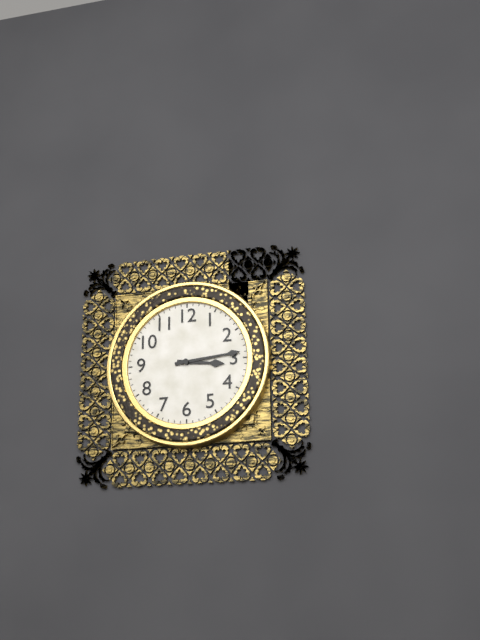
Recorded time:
{"hour": 3, "minute": 14}
